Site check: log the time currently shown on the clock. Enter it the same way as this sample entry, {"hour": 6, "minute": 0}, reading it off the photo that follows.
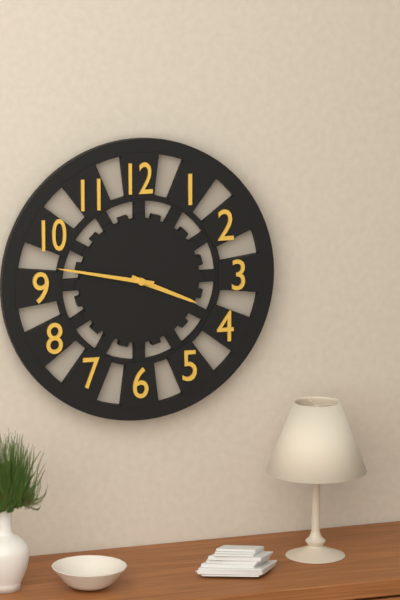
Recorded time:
{"hour": 3, "minute": 47}
